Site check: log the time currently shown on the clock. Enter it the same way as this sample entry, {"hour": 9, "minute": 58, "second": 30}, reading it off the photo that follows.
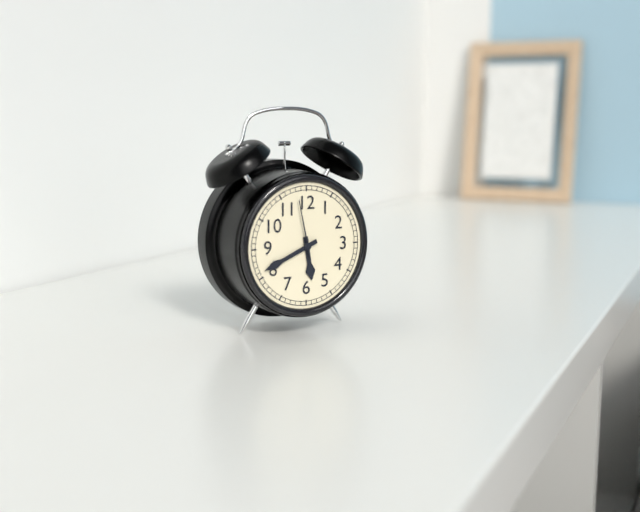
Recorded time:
{"hour": 5, "minute": 41, "second": 58}
